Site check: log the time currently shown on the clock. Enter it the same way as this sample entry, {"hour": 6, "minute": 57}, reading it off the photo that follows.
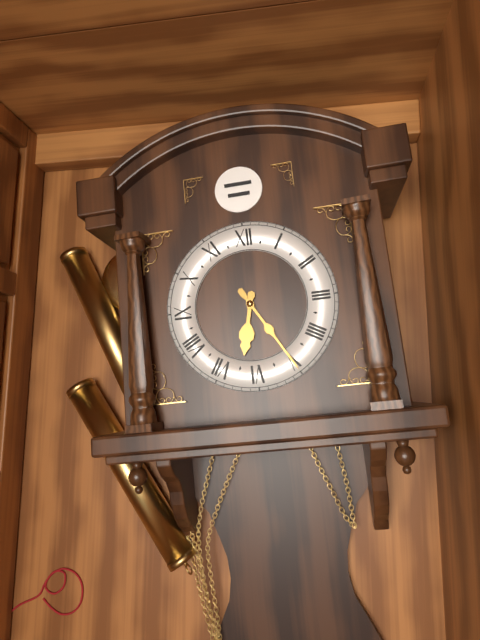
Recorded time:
{"hour": 6, "minute": 25}
